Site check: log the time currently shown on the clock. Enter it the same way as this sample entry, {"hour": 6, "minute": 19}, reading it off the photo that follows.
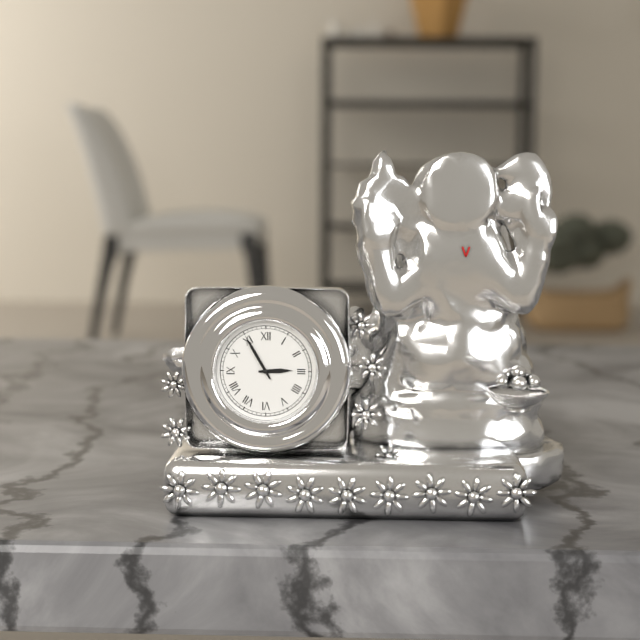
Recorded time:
{"hour": 2, "minute": 55}
